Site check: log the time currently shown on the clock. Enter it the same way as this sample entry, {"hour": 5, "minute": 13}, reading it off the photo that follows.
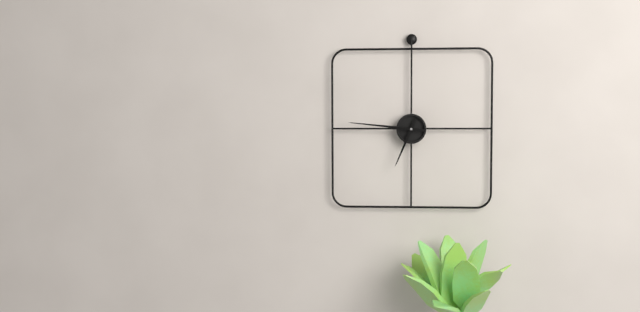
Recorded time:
{"hour": 6, "minute": 46}
